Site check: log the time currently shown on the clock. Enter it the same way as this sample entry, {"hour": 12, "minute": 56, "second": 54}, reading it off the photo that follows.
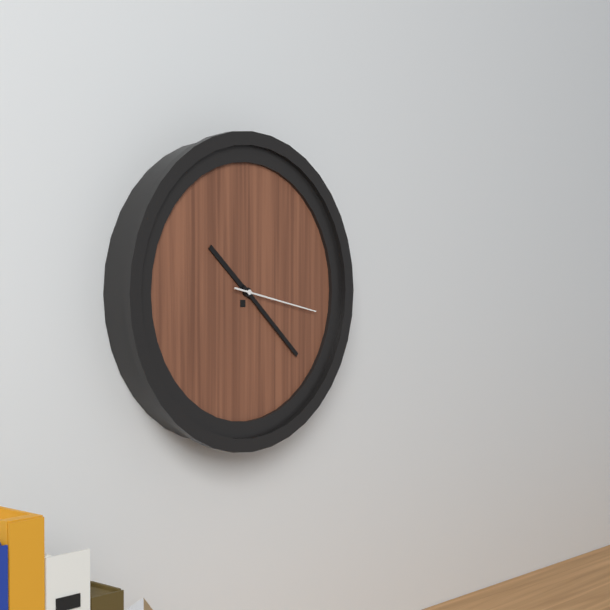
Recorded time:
{"hour": 10, "minute": 22, "second": 17}
